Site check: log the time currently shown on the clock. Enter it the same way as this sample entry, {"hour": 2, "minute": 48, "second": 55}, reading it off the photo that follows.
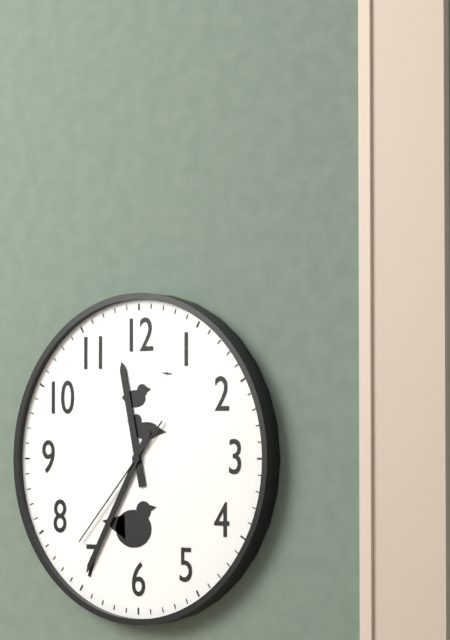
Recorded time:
{"hour": 11, "minute": 35, "second": 37}
